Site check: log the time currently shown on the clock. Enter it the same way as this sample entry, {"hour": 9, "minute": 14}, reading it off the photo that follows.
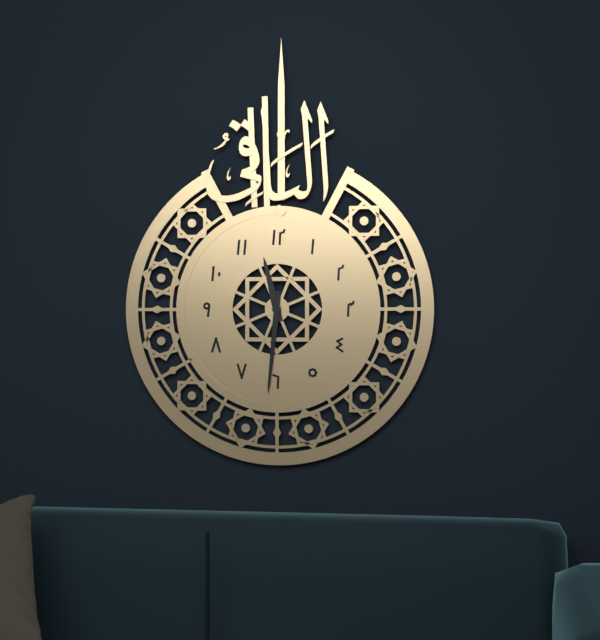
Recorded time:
{"hour": 11, "minute": 31}
